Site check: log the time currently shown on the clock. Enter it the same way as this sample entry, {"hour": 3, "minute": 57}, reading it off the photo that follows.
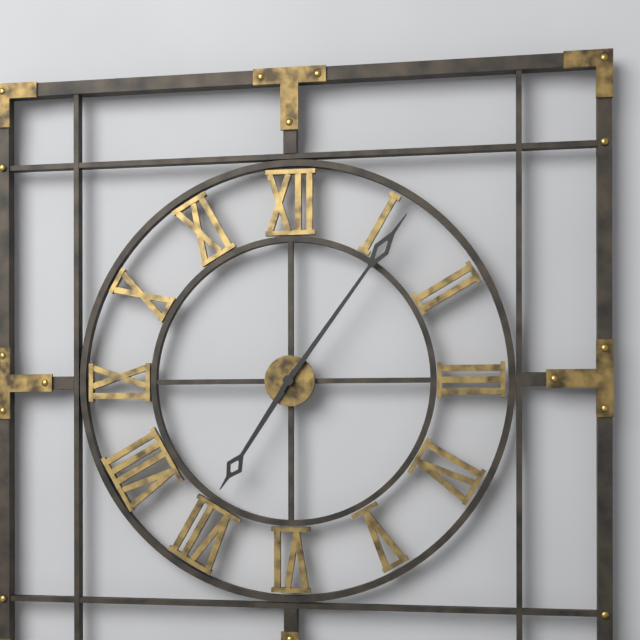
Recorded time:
{"hour": 7, "minute": 6}
